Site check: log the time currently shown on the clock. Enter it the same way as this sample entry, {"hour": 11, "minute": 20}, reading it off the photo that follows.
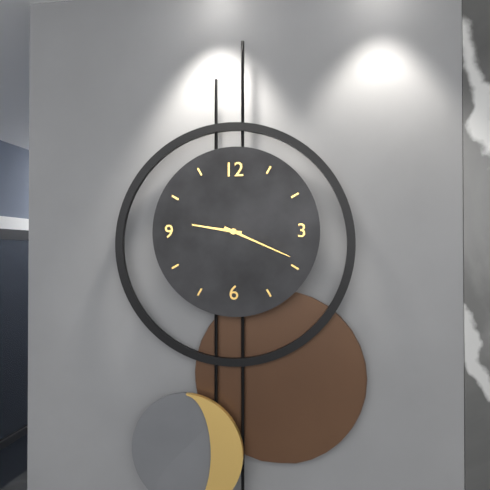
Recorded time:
{"hour": 9, "minute": 19}
